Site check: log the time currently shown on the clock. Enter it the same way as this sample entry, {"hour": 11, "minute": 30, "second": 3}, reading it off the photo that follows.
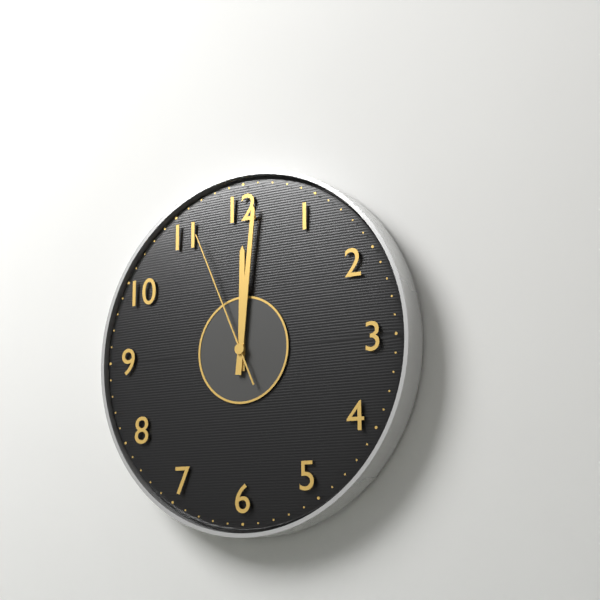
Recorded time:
{"hour": 12, "minute": 1, "second": 56}
